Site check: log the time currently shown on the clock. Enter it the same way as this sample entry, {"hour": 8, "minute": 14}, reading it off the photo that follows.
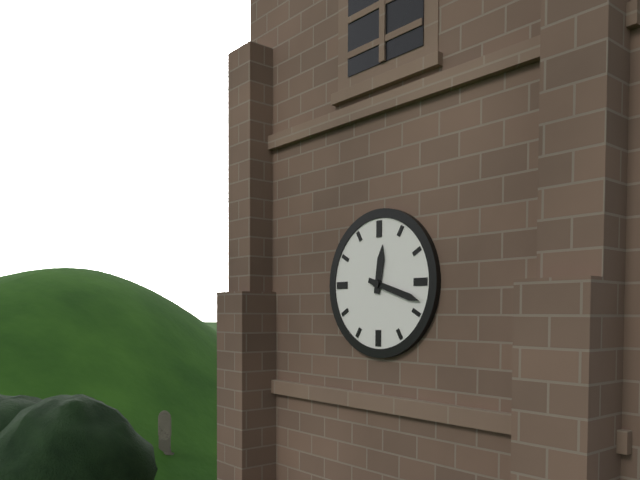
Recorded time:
{"hour": 12, "minute": 18}
